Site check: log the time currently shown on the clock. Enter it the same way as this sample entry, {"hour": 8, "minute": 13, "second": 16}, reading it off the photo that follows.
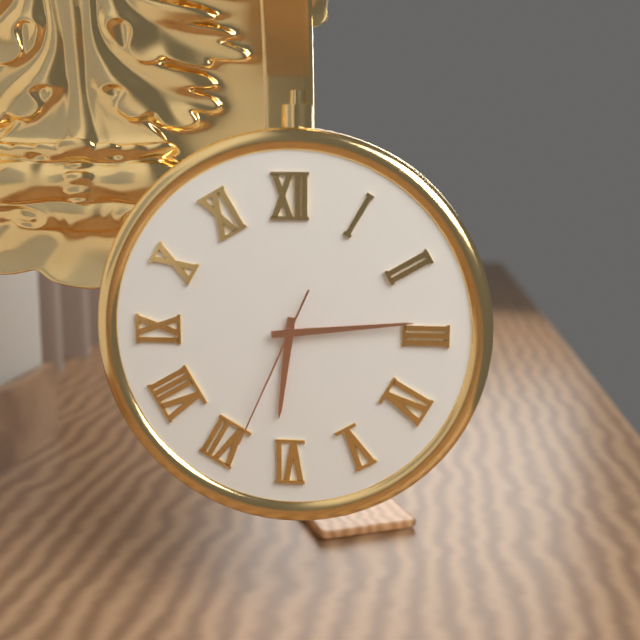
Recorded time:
{"hour": 6, "minute": 14, "second": 34}
